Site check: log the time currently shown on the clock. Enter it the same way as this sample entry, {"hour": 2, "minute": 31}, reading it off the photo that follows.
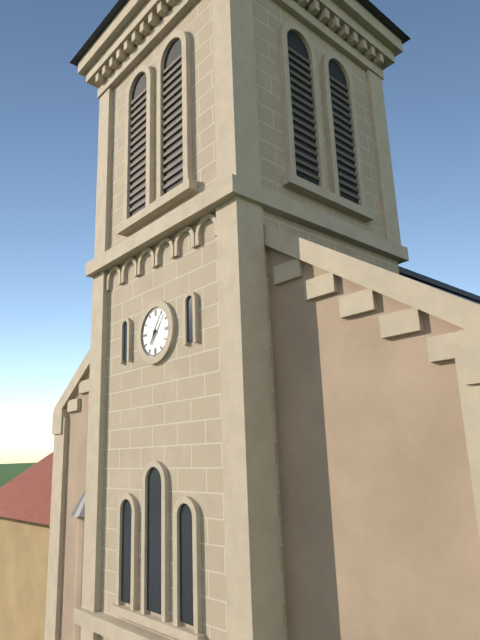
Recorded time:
{"hour": 7, "minute": 6}
